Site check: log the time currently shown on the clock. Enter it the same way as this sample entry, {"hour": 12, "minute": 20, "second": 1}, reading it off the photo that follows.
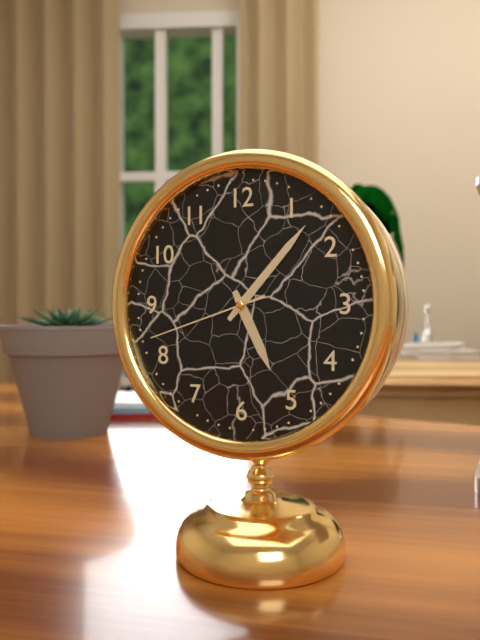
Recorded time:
{"hour": 5, "minute": 7, "second": 42}
